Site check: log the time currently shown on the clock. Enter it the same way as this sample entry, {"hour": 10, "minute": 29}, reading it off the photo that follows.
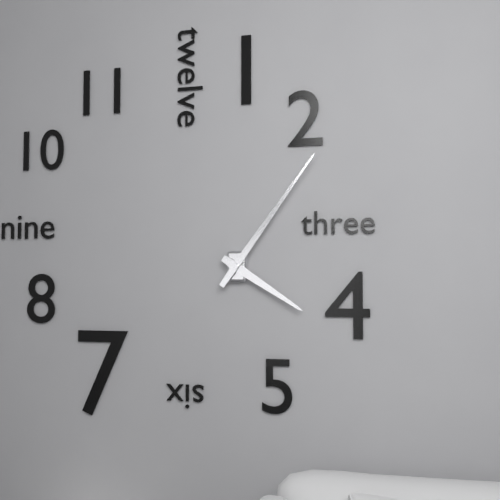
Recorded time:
{"hour": 4, "minute": 6}
